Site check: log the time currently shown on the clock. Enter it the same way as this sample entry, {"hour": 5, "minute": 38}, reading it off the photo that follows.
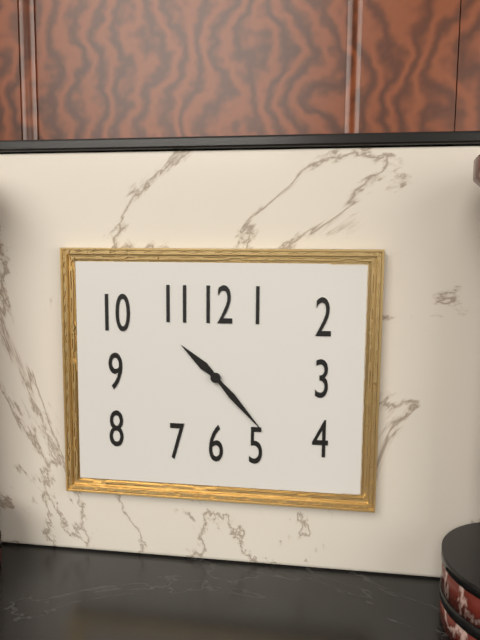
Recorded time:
{"hour": 10, "minute": 23}
